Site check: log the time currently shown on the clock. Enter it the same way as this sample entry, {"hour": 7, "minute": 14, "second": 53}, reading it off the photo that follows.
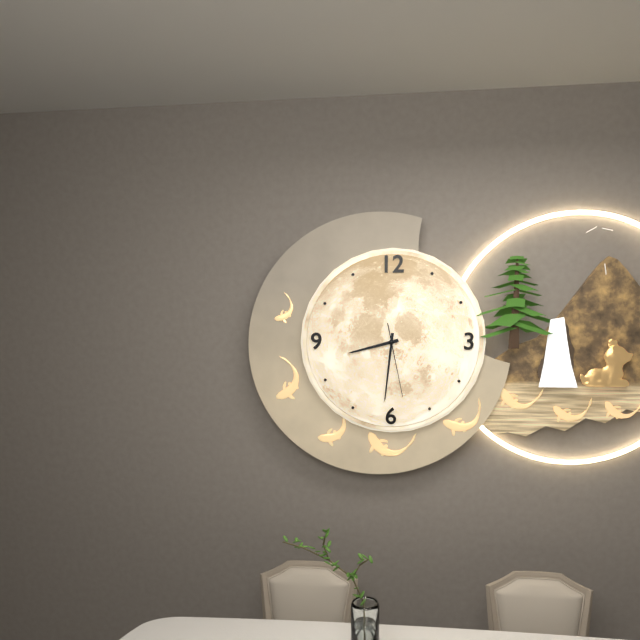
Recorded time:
{"hour": 8, "minute": 31, "second": 28}
